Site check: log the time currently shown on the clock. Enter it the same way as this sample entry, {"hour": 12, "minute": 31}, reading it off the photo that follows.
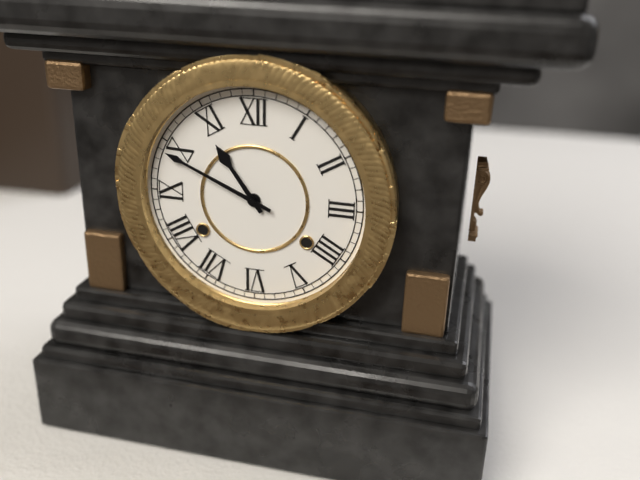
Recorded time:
{"hour": 10, "minute": 49}
